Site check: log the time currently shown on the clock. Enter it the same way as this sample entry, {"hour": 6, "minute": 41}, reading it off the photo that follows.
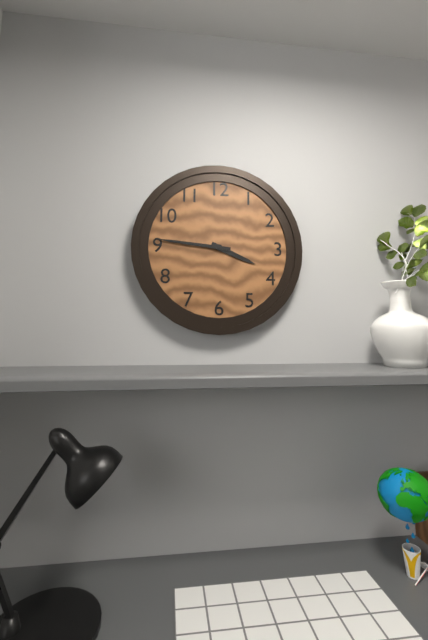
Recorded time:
{"hour": 3, "minute": 46}
